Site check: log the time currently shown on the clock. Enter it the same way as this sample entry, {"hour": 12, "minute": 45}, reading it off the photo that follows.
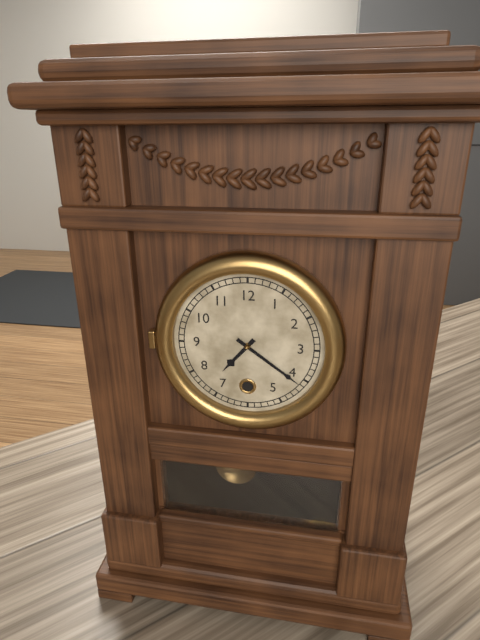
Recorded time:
{"hour": 7, "minute": 21}
